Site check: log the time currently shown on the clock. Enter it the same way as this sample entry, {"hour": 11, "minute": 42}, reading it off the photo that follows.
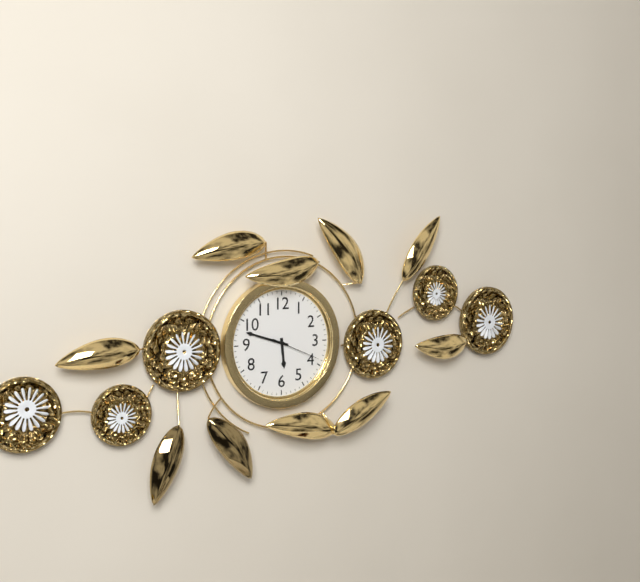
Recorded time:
{"hour": 5, "minute": 48}
